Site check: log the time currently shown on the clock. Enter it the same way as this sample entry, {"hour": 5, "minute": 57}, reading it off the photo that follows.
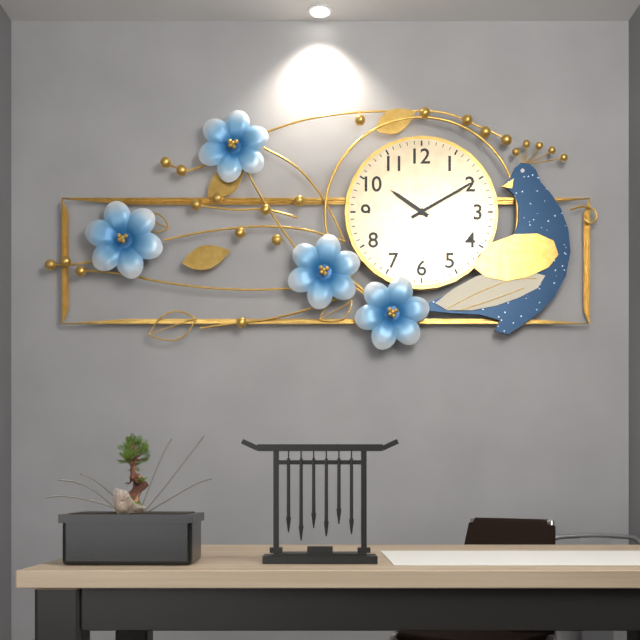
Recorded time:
{"hour": 10, "minute": 10}
